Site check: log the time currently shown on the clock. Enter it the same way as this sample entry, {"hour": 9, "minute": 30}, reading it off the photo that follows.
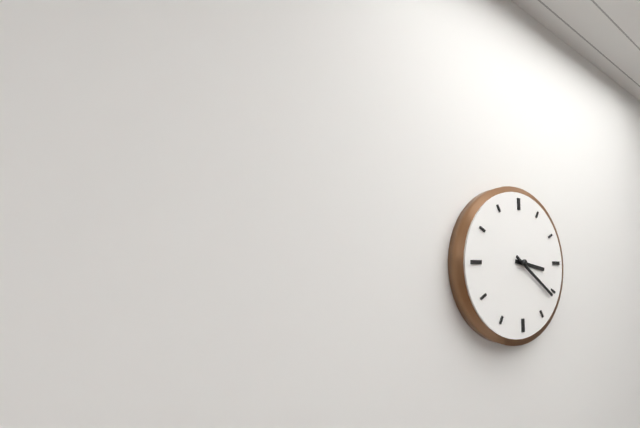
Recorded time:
{"hour": 3, "minute": 21}
